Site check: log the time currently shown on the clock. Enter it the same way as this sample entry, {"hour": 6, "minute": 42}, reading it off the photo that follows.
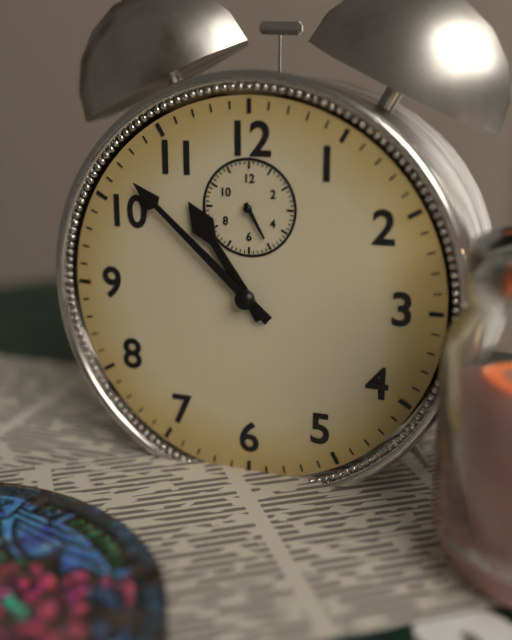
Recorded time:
{"hour": 10, "minute": 52}
